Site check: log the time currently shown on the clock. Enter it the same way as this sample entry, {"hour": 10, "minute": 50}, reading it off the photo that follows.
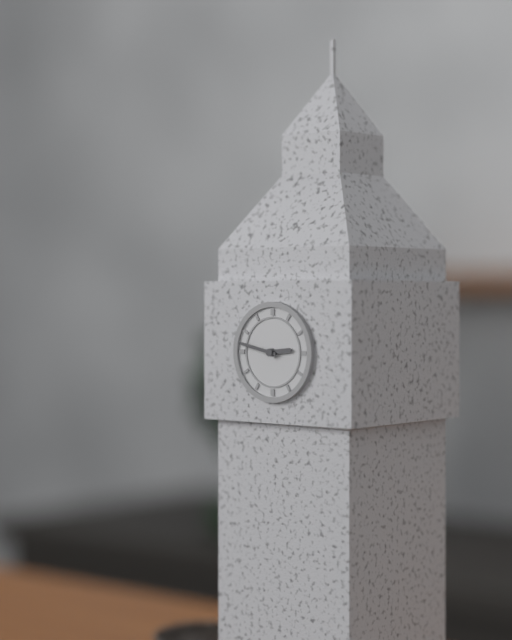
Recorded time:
{"hour": 2, "minute": 47}
